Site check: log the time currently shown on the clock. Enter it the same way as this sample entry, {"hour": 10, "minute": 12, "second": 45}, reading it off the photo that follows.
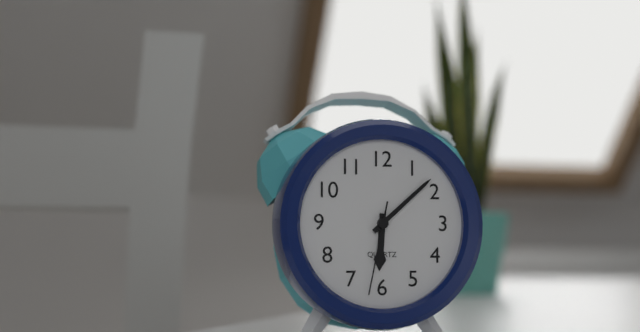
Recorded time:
{"hour": 6, "minute": 8, "second": 32}
